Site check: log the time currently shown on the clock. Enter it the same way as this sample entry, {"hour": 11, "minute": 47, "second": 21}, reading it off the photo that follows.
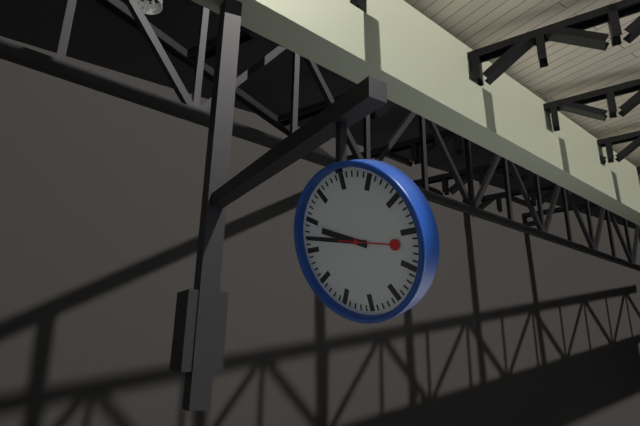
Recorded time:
{"hour": 9, "minute": 47, "second": 17}
